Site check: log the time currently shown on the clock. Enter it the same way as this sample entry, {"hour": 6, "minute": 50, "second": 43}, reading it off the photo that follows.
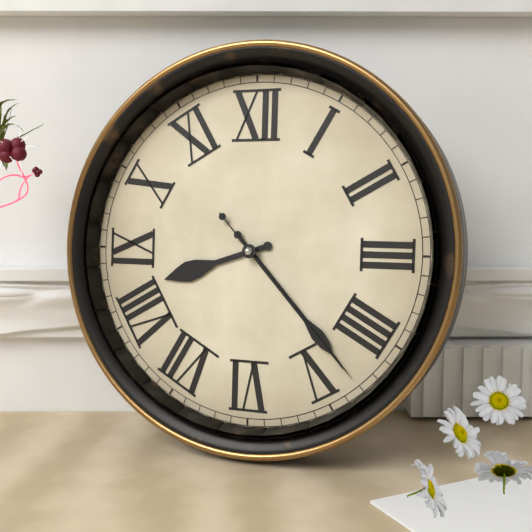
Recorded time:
{"hour": 8, "minute": 23, "second": 23}
